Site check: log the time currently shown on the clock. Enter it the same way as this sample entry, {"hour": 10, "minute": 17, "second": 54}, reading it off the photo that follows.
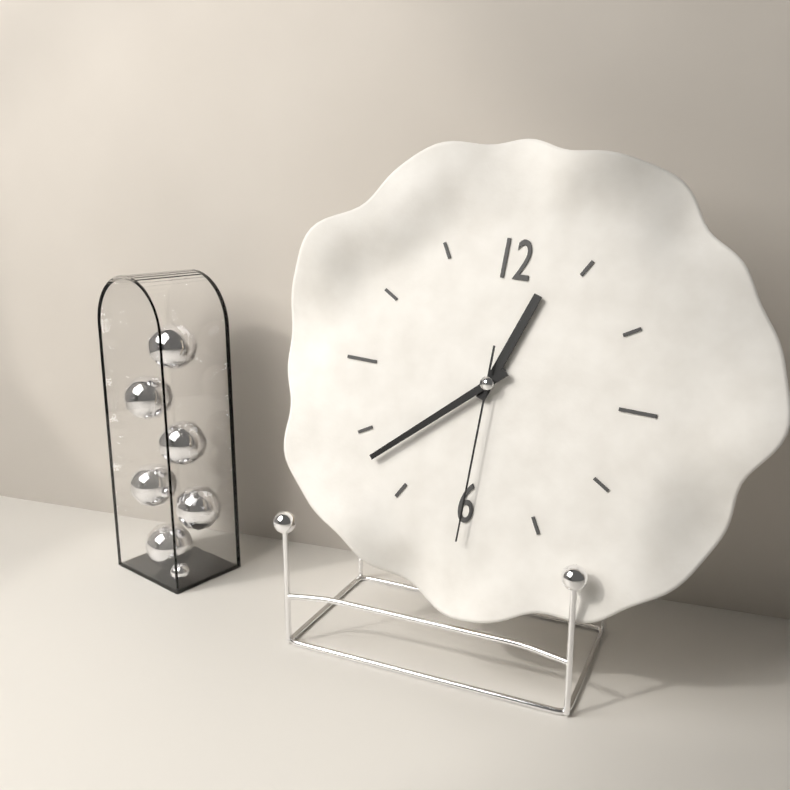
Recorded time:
{"hour": 12, "minute": 38, "second": 30}
